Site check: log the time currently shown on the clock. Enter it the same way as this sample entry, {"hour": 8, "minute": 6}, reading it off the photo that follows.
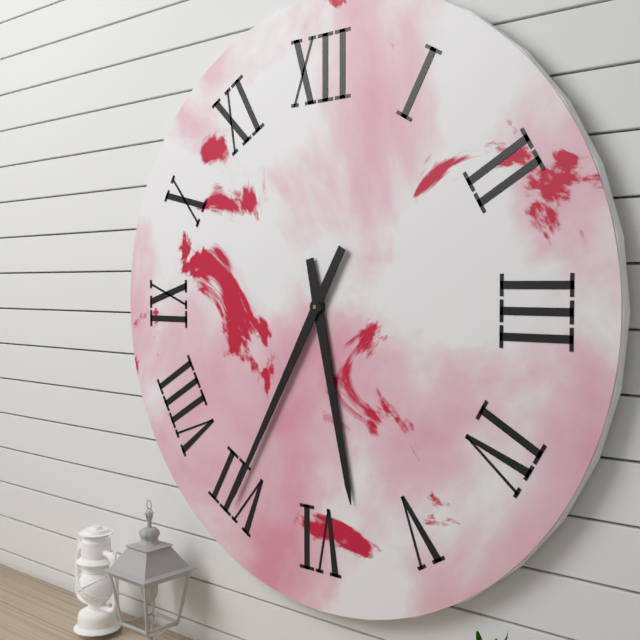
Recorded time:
{"hour": 5, "minute": 35}
